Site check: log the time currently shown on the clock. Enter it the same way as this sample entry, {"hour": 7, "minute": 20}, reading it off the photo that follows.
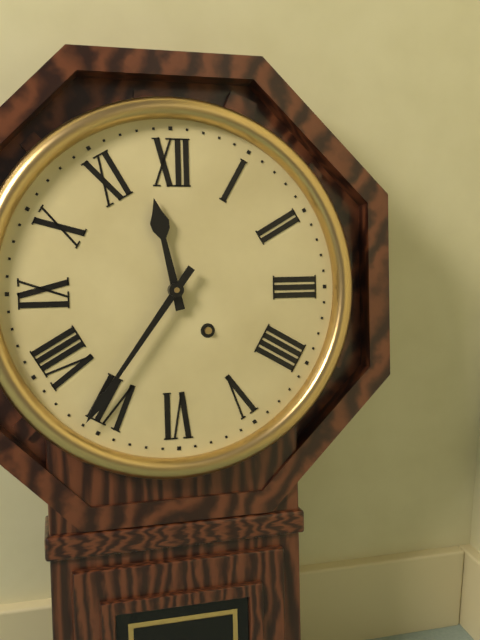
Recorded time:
{"hour": 11, "minute": 36}
